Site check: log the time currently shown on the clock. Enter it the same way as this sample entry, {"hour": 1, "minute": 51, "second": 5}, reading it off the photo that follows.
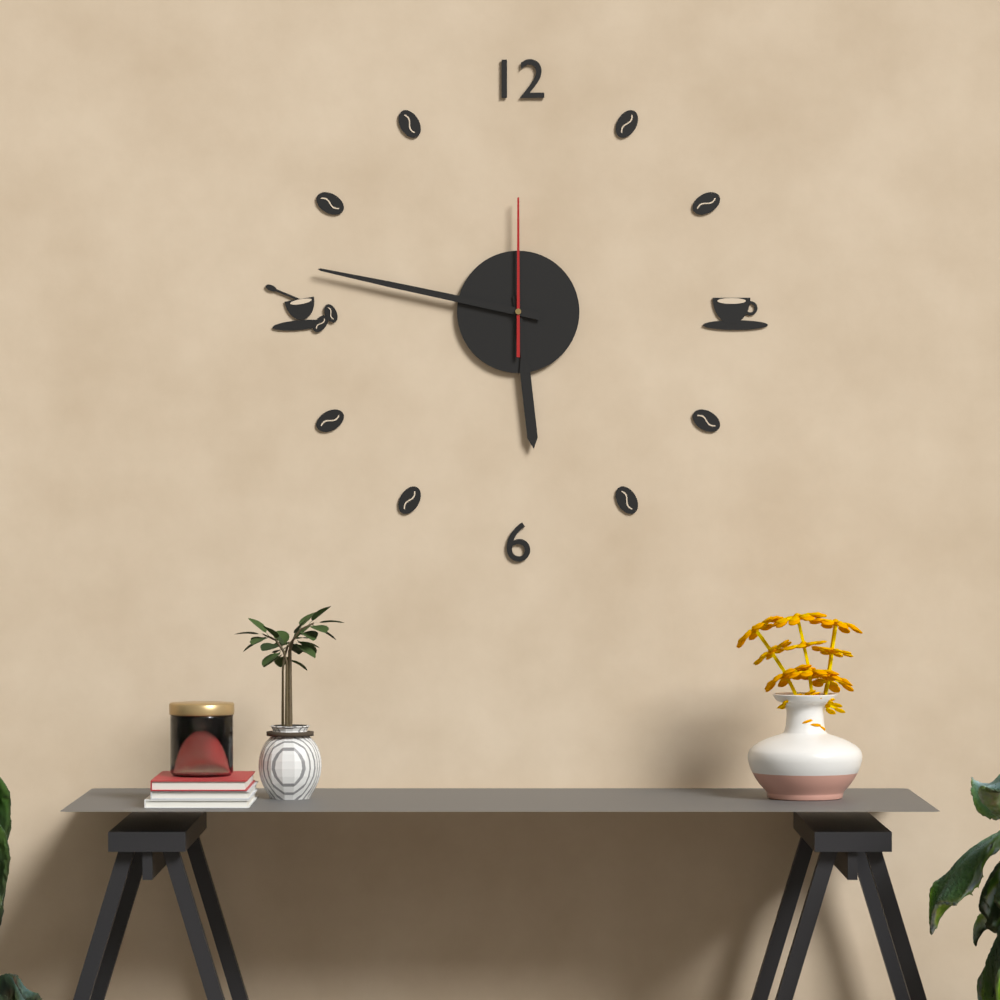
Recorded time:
{"hour": 5, "minute": 47, "second": 0}
